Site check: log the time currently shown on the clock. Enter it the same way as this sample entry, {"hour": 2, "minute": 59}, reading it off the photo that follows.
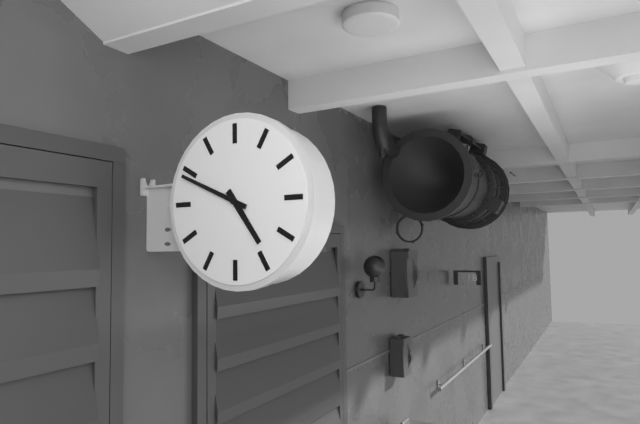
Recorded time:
{"hour": 4, "minute": 49}
